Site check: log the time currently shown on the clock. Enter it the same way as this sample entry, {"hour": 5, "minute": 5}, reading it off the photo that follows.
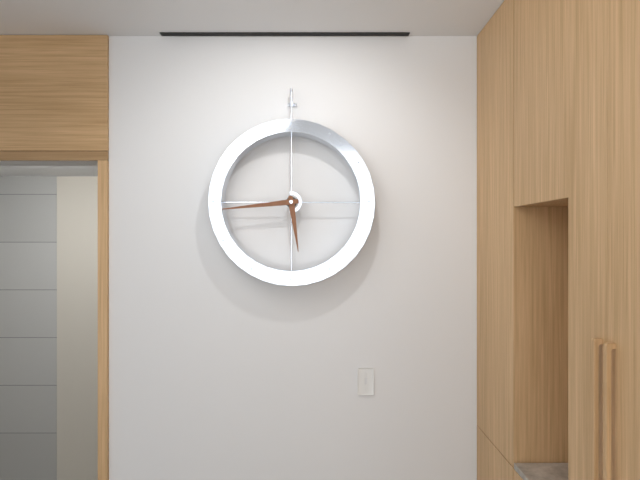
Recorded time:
{"hour": 5, "minute": 44}
